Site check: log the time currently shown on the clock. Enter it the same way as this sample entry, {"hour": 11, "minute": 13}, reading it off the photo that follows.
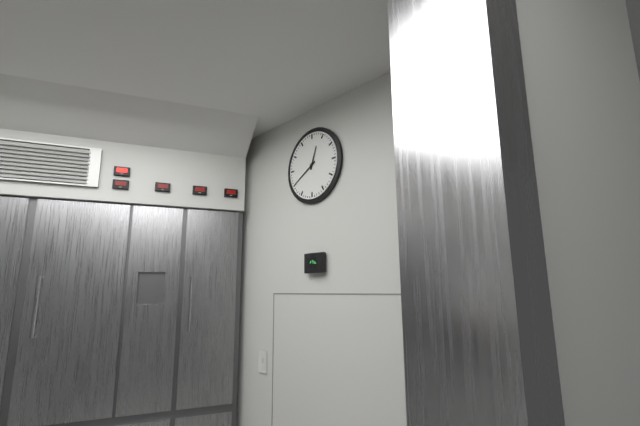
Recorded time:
{"hour": 12, "minute": 40}
